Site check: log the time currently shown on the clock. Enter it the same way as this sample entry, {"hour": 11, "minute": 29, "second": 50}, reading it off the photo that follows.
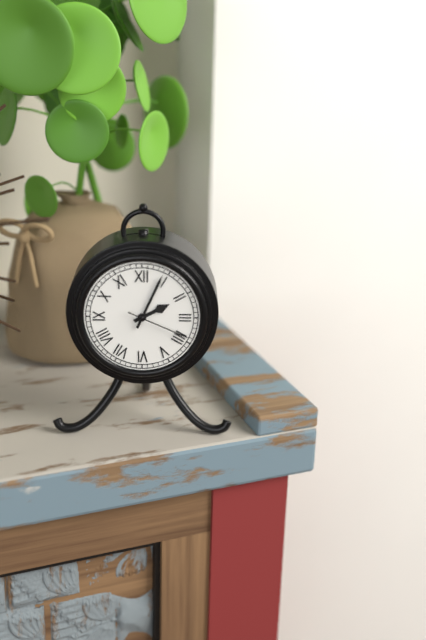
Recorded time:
{"hour": 2, "minute": 4, "second": 19}
